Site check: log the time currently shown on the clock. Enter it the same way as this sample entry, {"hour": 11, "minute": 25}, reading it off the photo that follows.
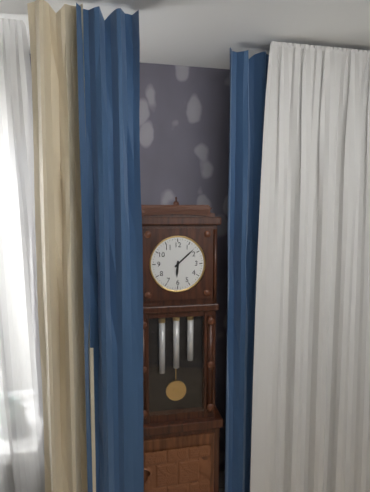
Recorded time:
{"hour": 6, "minute": 8}
